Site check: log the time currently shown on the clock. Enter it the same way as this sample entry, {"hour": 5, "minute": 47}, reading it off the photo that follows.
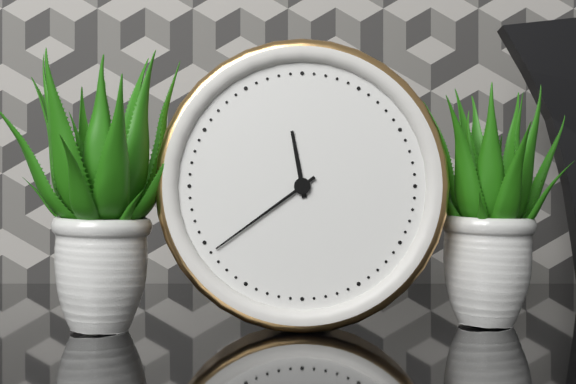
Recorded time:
{"hour": 11, "minute": 39}
